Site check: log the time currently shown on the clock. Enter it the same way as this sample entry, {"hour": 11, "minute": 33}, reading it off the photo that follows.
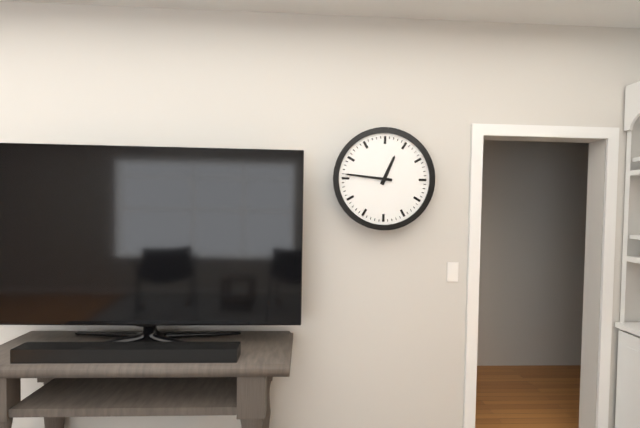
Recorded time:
{"hour": 12, "minute": 46}
